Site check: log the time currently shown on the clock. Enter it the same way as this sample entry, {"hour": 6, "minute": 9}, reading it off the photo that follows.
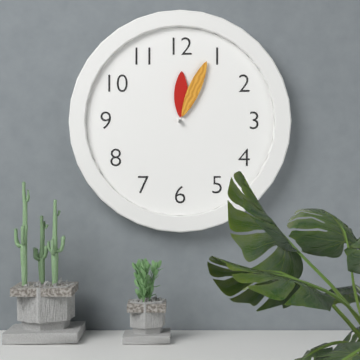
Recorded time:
{"hour": 12, "minute": 4}
